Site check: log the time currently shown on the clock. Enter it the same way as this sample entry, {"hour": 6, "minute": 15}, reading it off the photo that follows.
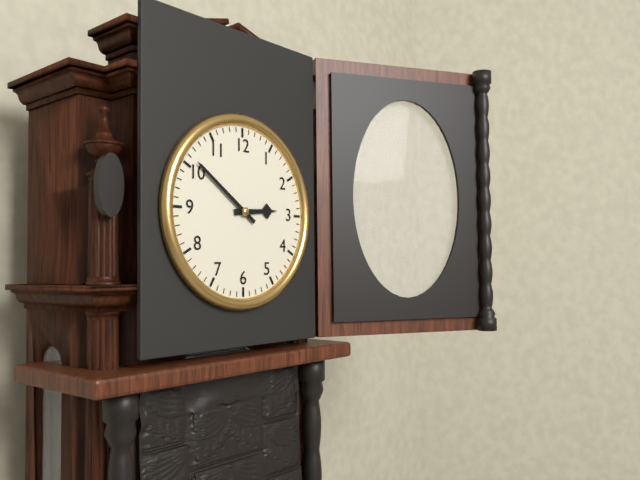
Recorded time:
{"hour": 2, "minute": 51}
